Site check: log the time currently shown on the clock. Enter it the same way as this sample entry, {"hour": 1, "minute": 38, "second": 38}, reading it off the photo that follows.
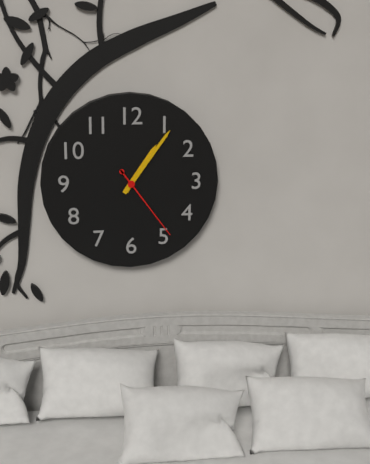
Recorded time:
{"hour": 1, "minute": 6, "second": 24}
